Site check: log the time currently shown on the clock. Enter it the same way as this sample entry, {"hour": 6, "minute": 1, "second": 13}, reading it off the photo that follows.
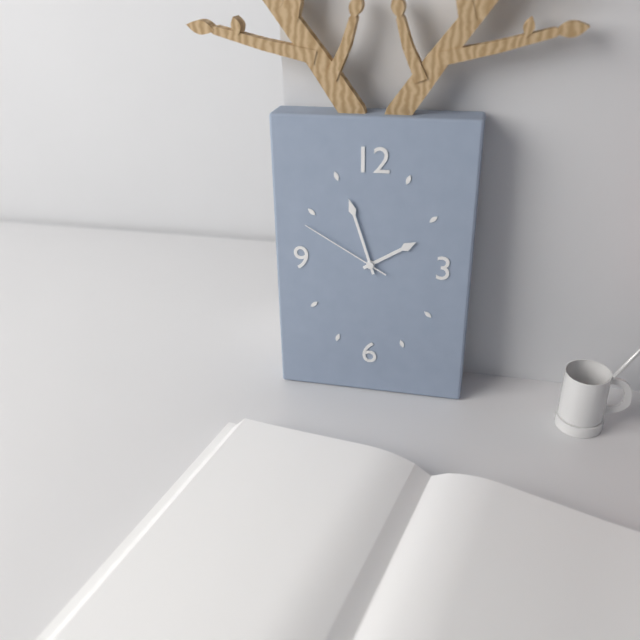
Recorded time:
{"hour": 1, "minute": 57, "second": 50}
